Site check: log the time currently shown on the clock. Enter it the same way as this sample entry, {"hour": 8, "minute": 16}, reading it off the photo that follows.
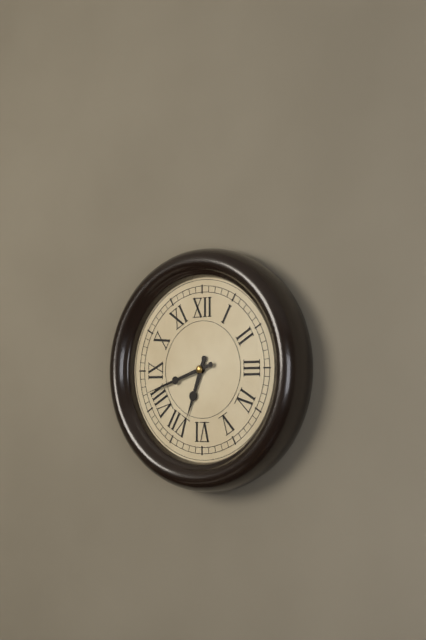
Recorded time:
{"hour": 6, "minute": 42}
